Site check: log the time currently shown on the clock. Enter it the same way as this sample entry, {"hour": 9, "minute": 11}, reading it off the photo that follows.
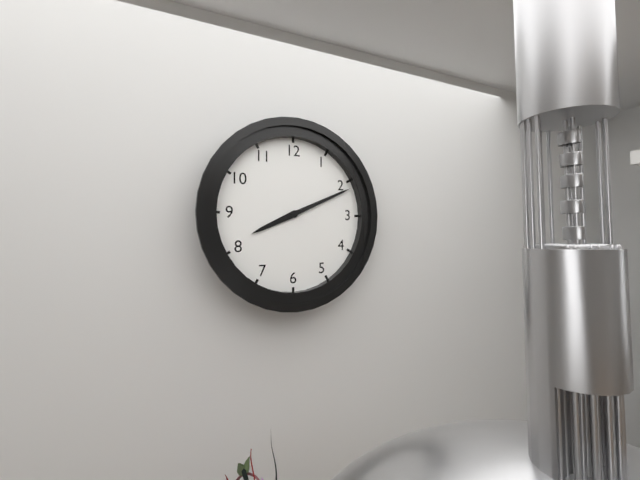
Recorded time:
{"hour": 8, "minute": 11}
